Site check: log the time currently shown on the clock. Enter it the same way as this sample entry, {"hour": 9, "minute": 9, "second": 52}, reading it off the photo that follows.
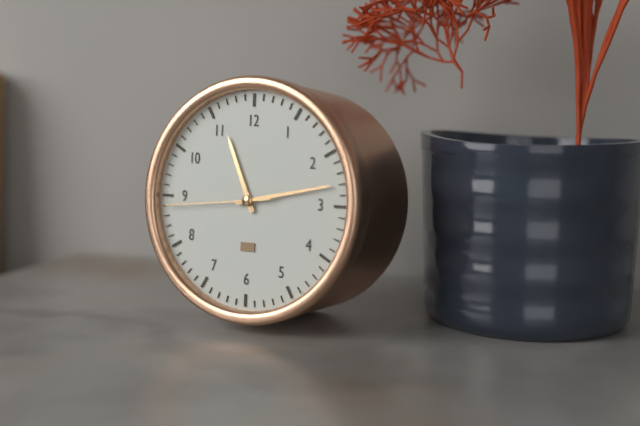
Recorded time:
{"hour": 11, "minute": 13, "second": 44}
